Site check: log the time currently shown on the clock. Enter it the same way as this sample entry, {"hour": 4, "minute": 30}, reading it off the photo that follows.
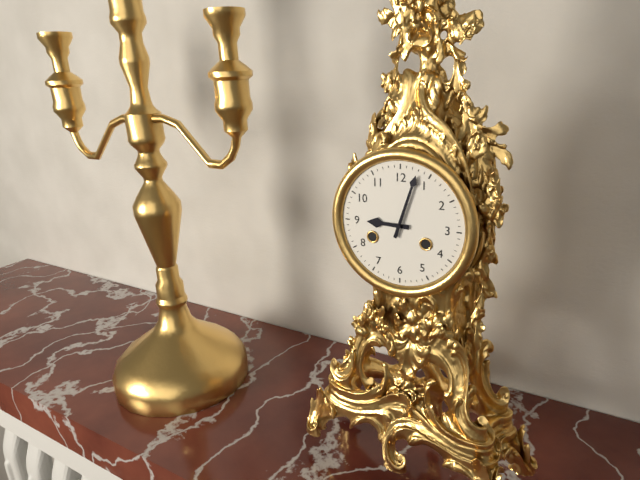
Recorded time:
{"hour": 9, "minute": 3}
